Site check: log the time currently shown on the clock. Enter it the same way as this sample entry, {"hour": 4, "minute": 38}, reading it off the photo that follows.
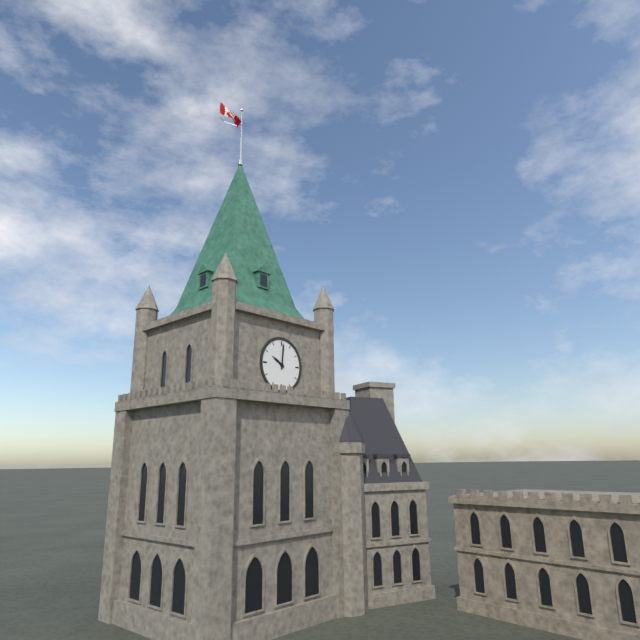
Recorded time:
{"hour": 10, "minute": 1}
